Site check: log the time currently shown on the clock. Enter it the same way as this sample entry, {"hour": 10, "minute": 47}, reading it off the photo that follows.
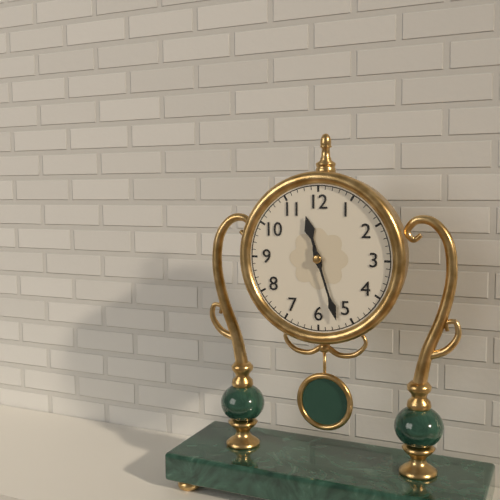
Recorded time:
{"hour": 11, "minute": 27}
